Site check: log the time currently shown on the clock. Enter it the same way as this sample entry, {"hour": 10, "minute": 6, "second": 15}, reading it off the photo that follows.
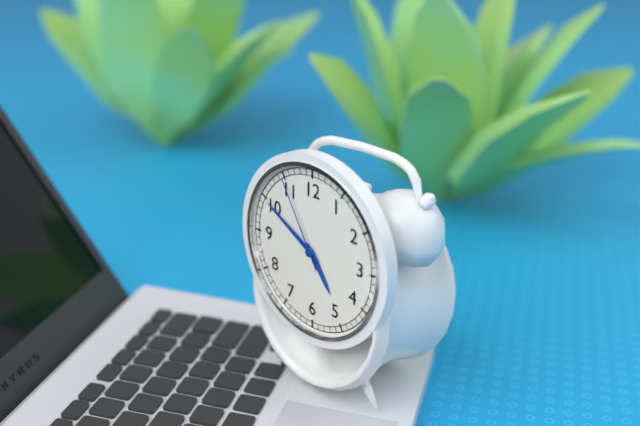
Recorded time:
{"hour": 4, "minute": 50, "second": 55}
